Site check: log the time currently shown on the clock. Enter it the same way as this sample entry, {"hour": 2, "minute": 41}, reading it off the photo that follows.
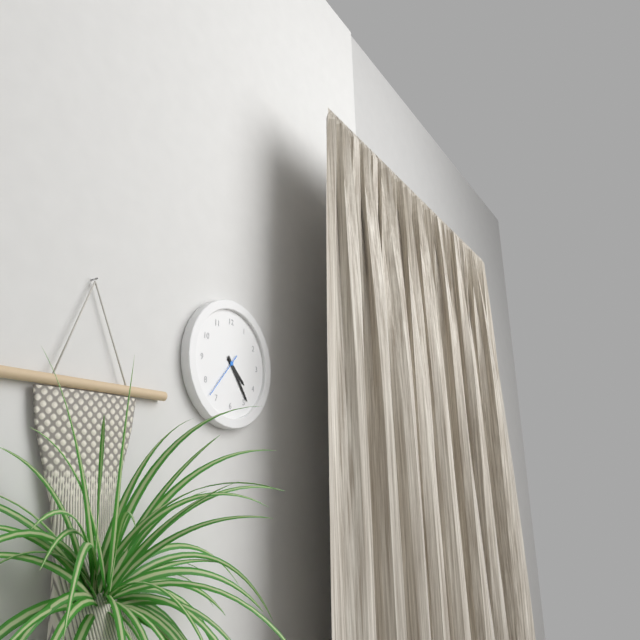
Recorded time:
{"hour": 4, "minute": 24}
